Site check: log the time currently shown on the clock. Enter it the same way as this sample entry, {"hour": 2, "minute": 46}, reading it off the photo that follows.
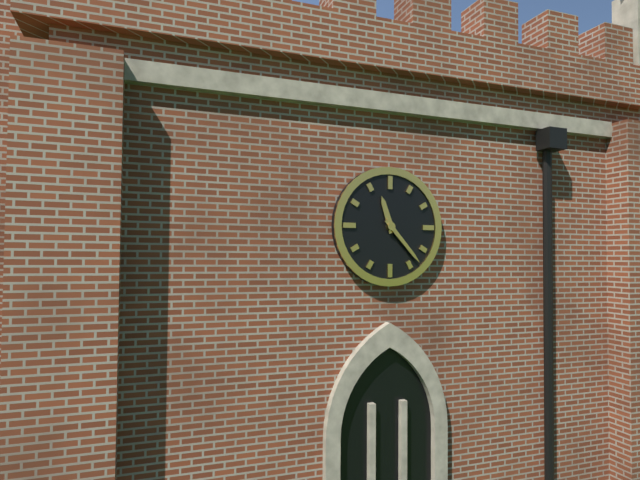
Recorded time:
{"hour": 11, "minute": 23}
